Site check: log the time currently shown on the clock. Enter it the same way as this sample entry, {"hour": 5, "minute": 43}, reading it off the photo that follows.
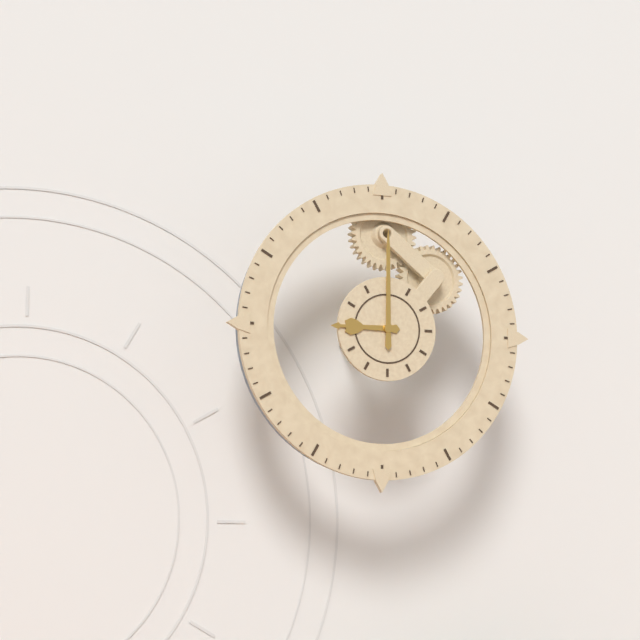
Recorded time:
{"hour": 9, "minute": 0}
